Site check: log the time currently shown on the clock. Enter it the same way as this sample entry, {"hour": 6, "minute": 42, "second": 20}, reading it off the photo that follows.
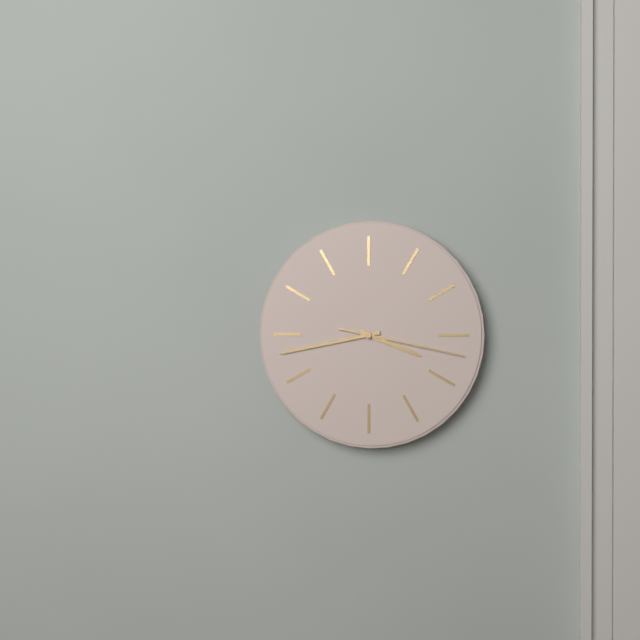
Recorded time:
{"hour": 3, "minute": 43, "second": 17}
